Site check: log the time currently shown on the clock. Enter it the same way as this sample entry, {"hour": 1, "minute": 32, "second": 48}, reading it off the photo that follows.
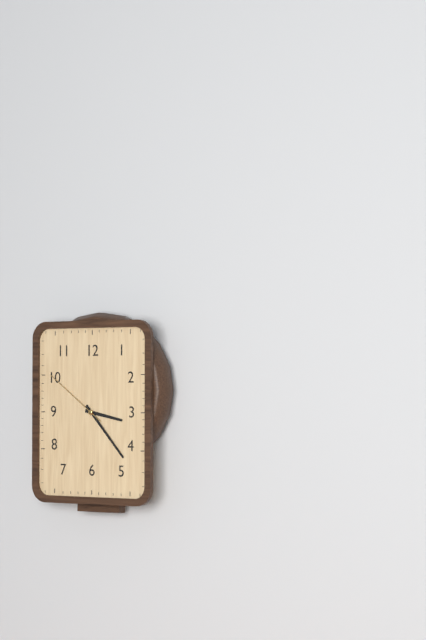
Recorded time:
{"hour": 3, "minute": 23, "second": 51}
